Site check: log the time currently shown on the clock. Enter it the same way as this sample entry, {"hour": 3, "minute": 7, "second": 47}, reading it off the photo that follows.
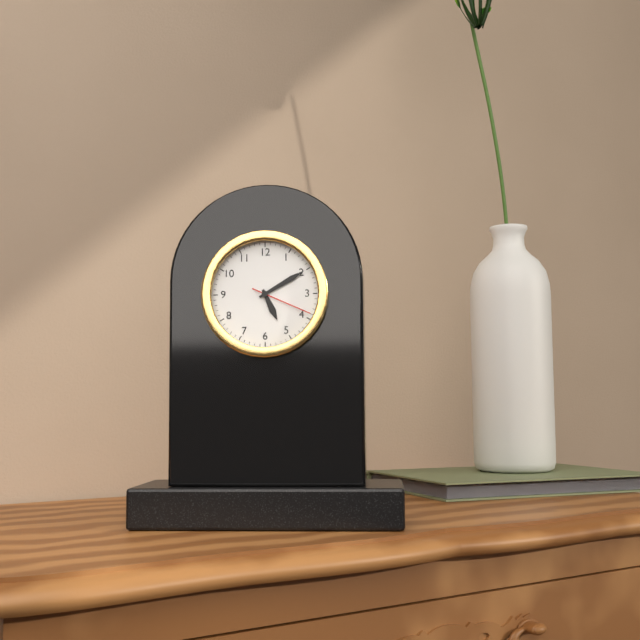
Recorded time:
{"hour": 5, "minute": 10, "second": 19}
